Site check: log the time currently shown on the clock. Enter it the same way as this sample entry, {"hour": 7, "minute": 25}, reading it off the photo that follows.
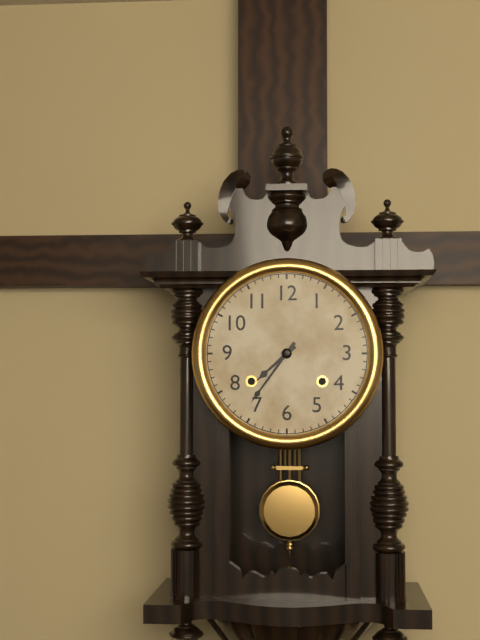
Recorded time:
{"hour": 7, "minute": 36}
